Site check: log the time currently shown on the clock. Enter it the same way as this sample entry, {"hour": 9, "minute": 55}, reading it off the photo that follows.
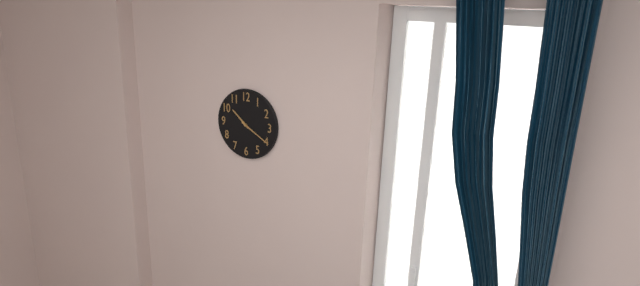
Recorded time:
{"hour": 10, "minute": 20}
